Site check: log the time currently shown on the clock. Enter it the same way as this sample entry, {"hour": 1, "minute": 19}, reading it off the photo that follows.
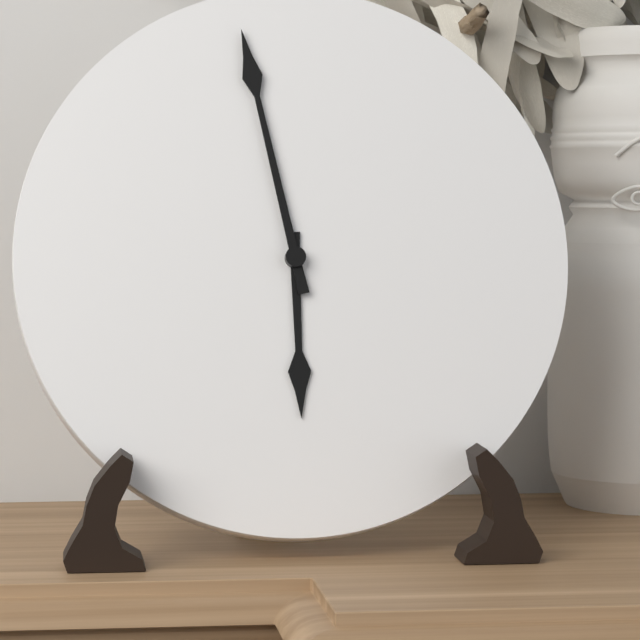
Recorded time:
{"hour": 5, "minute": 58}
